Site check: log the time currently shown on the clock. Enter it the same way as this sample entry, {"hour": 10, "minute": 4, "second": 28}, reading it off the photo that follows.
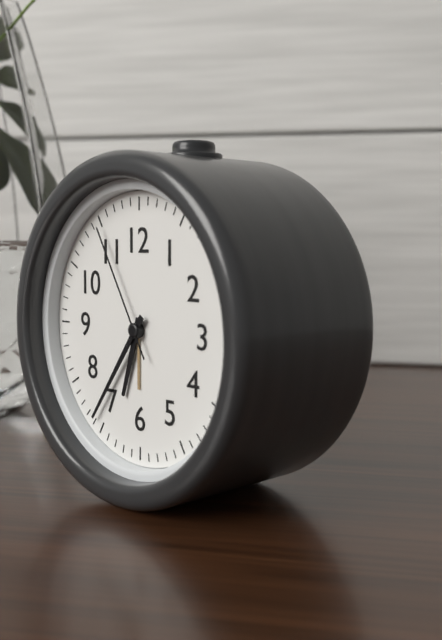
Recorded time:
{"hour": 6, "minute": 36, "second": 55}
